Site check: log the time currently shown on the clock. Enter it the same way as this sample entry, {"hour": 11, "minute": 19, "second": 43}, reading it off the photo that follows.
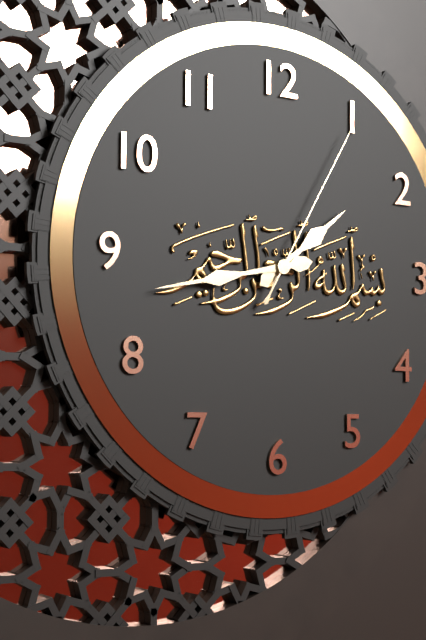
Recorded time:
{"hour": 1, "minute": 43, "second": 5}
